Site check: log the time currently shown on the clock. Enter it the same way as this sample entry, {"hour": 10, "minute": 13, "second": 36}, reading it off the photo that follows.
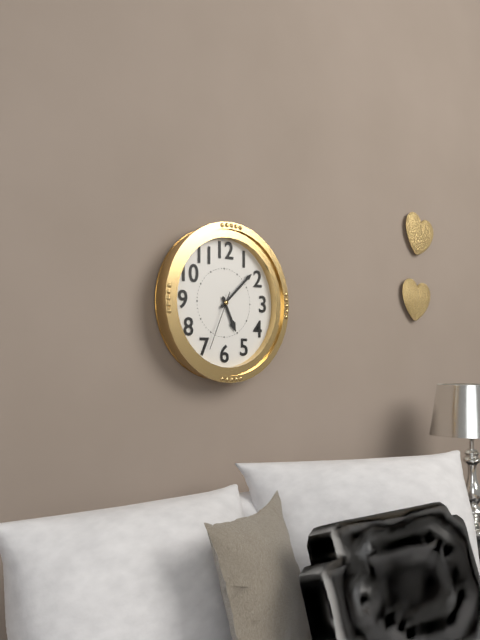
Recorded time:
{"hour": 5, "minute": 8, "second": 34}
